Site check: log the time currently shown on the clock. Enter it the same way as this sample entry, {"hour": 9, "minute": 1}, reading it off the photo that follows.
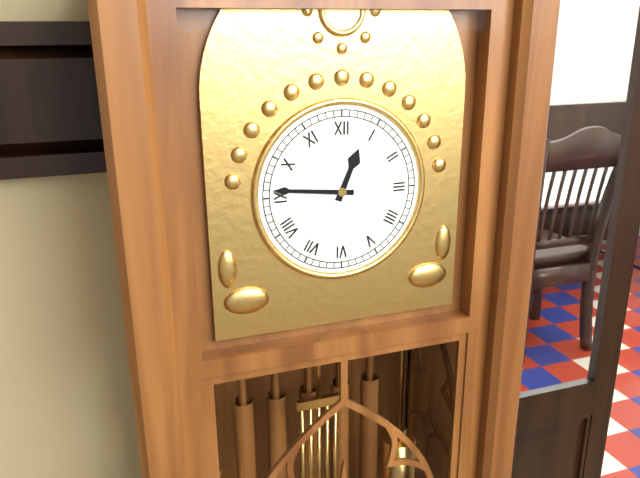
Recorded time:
{"hour": 12, "minute": 46}
